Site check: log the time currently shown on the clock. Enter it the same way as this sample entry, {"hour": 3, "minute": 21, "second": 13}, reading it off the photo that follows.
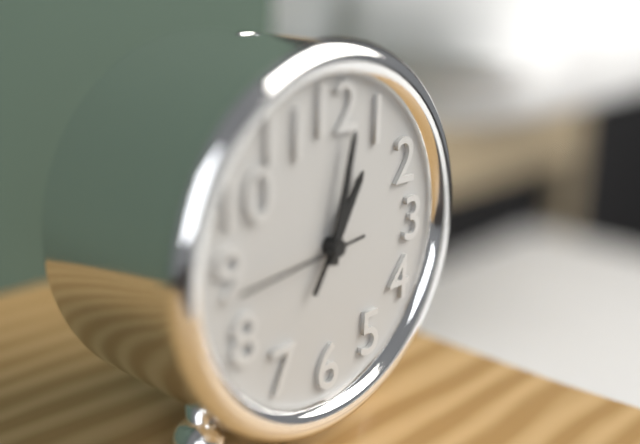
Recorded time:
{"hour": 1, "minute": 2, "second": 44}
